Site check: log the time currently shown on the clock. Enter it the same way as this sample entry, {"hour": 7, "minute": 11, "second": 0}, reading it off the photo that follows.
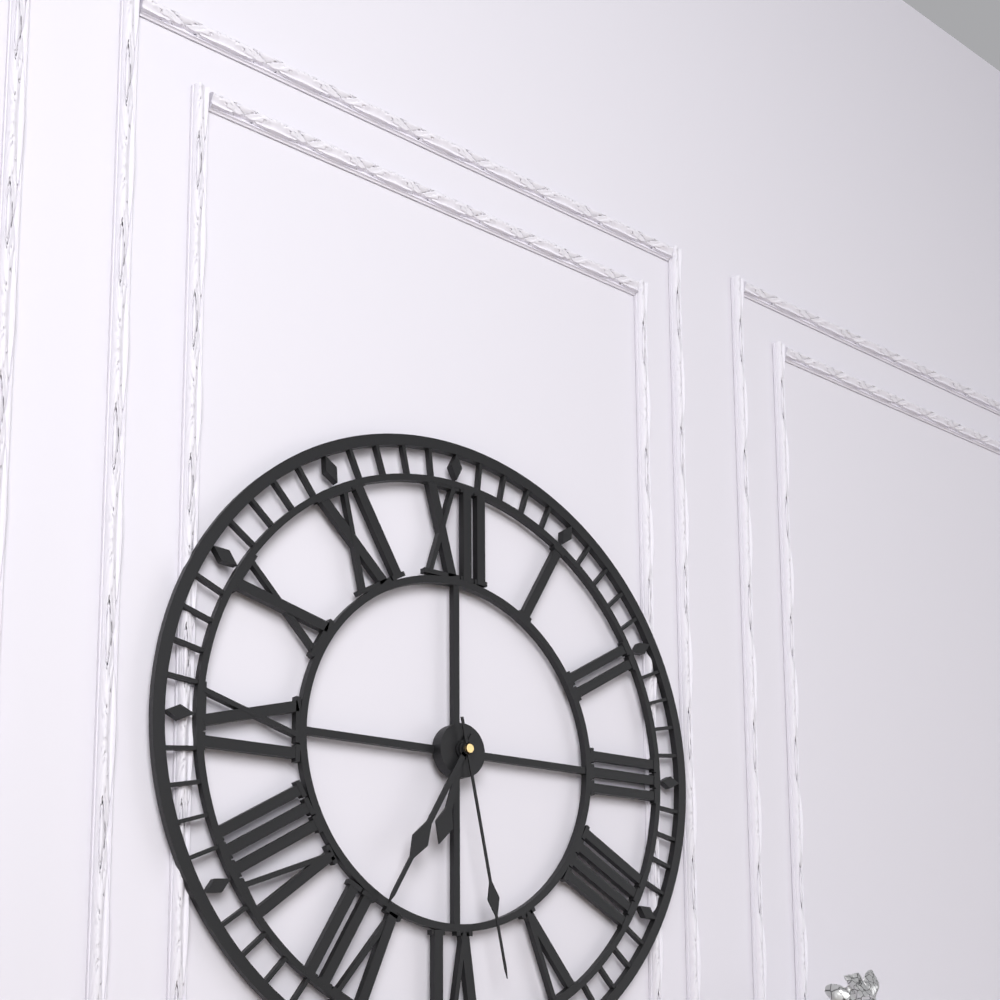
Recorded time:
{"hour": 6, "minute": 35, "second": 28}
